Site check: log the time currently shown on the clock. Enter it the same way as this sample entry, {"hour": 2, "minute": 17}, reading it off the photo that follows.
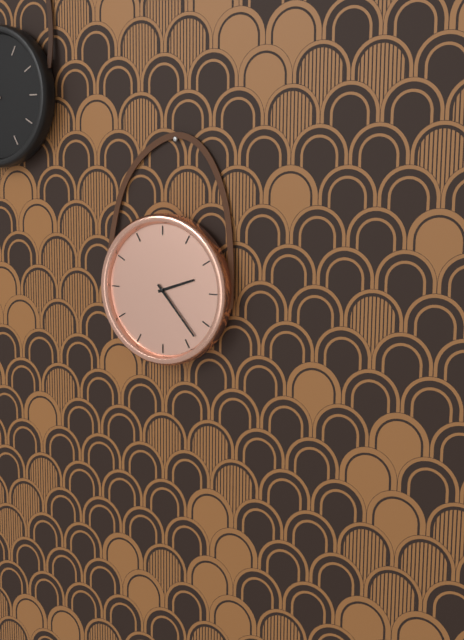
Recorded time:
{"hour": 2, "minute": 23}
